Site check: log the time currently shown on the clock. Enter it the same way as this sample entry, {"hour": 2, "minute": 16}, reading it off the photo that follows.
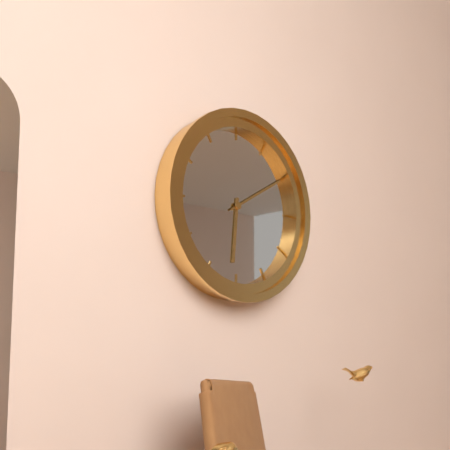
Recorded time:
{"hour": 6, "minute": 10}
